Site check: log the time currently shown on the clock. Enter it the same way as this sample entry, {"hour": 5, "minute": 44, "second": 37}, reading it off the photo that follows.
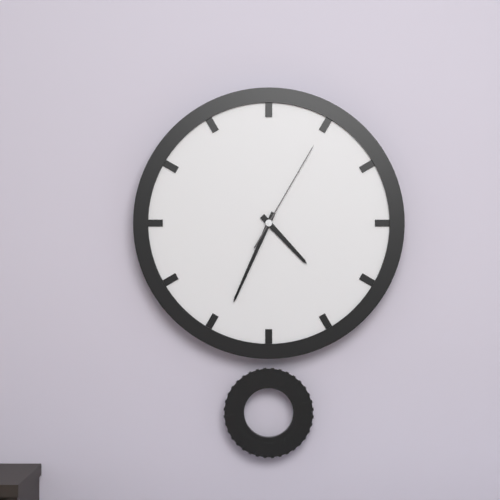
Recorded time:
{"hour": 4, "minute": 34, "second": 5}
